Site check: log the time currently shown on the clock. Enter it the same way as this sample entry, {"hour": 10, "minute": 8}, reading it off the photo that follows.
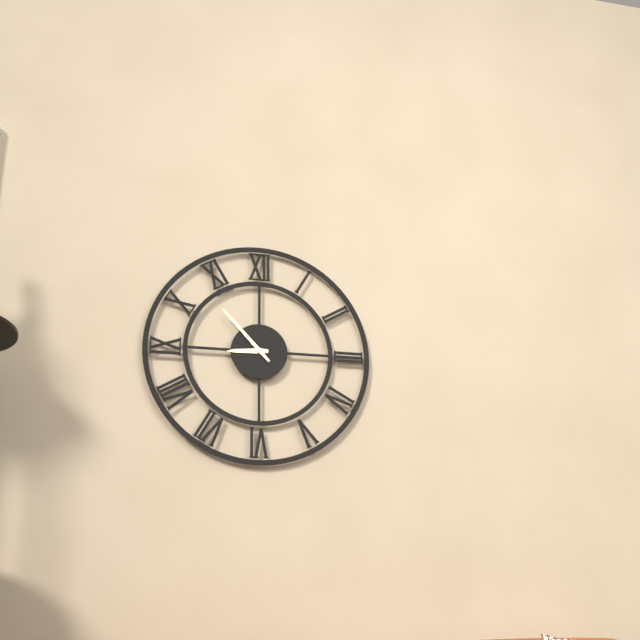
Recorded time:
{"hour": 8, "minute": 53}
